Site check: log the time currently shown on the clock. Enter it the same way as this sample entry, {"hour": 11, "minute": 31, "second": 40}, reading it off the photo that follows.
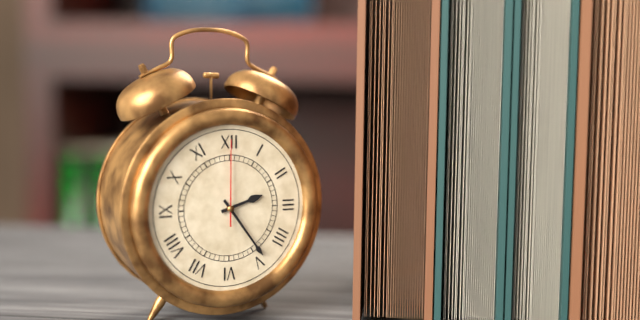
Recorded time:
{"hour": 2, "minute": 24, "second": 0}
